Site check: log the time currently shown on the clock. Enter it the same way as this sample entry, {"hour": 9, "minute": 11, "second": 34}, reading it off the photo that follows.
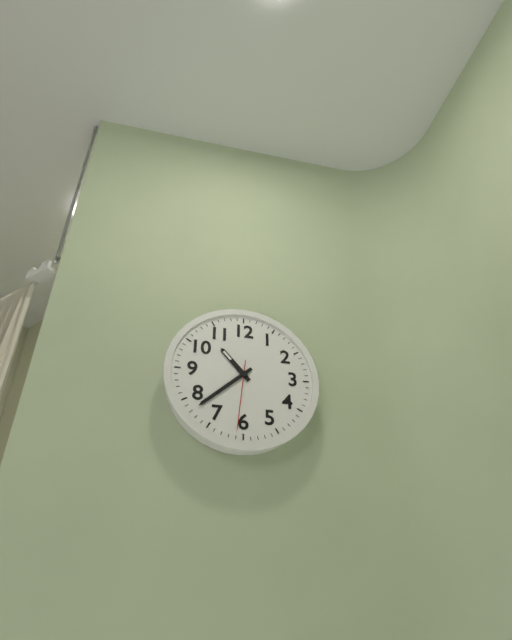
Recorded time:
{"hour": 10, "minute": 38, "second": 31}
